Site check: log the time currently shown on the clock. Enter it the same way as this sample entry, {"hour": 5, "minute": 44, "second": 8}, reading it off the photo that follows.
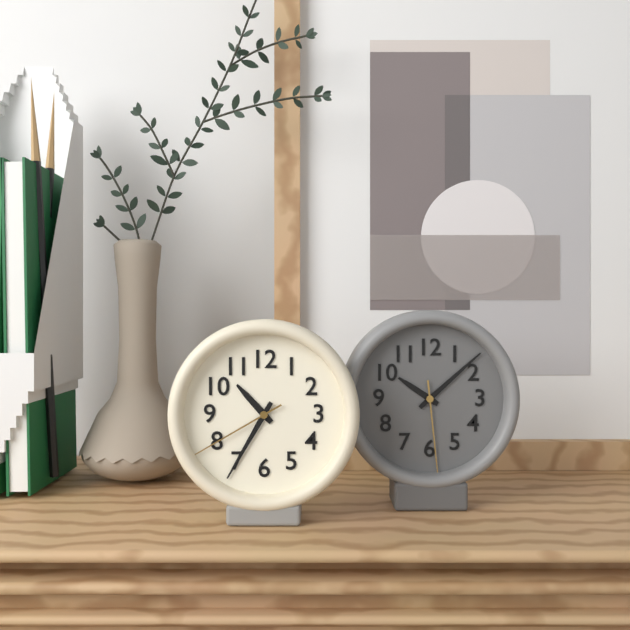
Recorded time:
{"hour": 10, "minute": 35, "second": 40}
